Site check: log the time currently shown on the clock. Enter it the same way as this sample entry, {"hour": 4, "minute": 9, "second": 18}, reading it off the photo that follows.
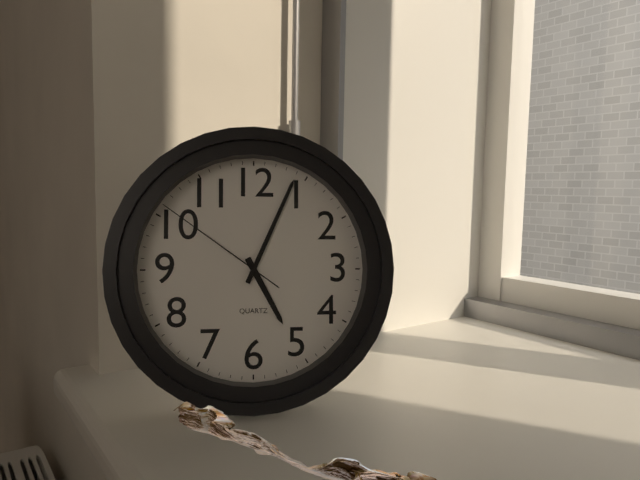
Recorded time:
{"hour": 5, "minute": 4, "second": 51}
